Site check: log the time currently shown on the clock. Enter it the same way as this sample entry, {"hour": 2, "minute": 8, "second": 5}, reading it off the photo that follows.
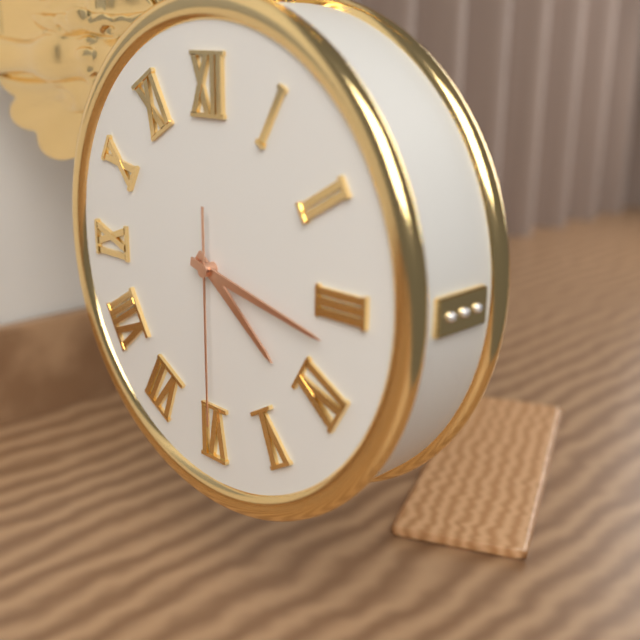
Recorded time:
{"hour": 4, "minute": 17, "second": 30}
